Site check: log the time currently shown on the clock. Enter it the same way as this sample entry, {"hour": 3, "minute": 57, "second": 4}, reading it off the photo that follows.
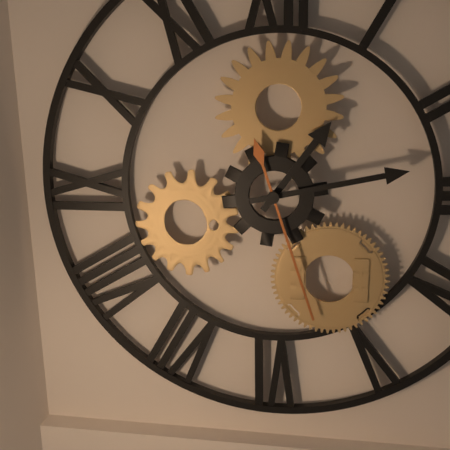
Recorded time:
{"hour": 1, "minute": 13, "second": 27}
